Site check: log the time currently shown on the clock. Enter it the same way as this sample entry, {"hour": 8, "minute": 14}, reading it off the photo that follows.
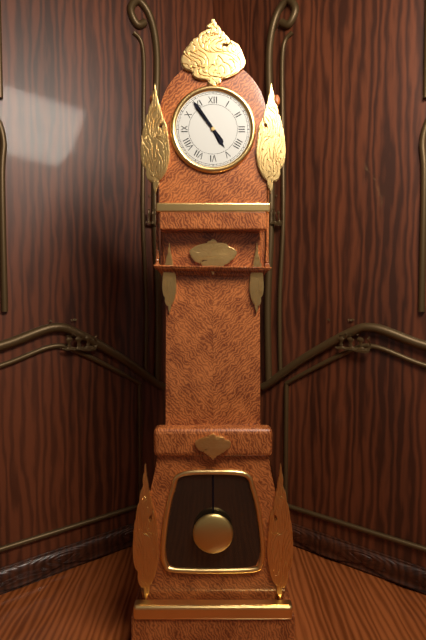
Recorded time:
{"hour": 4, "minute": 54}
